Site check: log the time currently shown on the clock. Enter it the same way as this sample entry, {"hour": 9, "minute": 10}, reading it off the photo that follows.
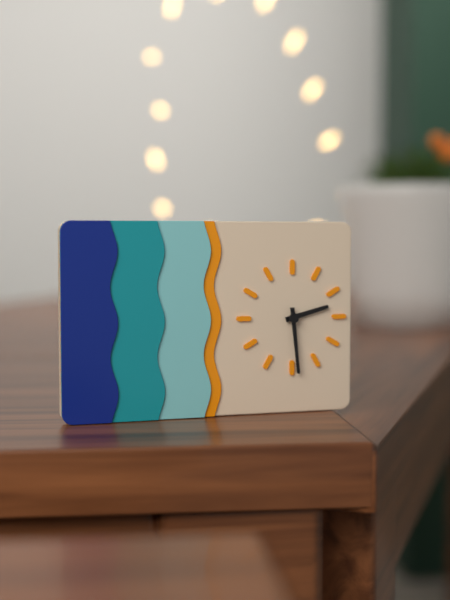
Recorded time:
{"hour": 2, "minute": 29}
